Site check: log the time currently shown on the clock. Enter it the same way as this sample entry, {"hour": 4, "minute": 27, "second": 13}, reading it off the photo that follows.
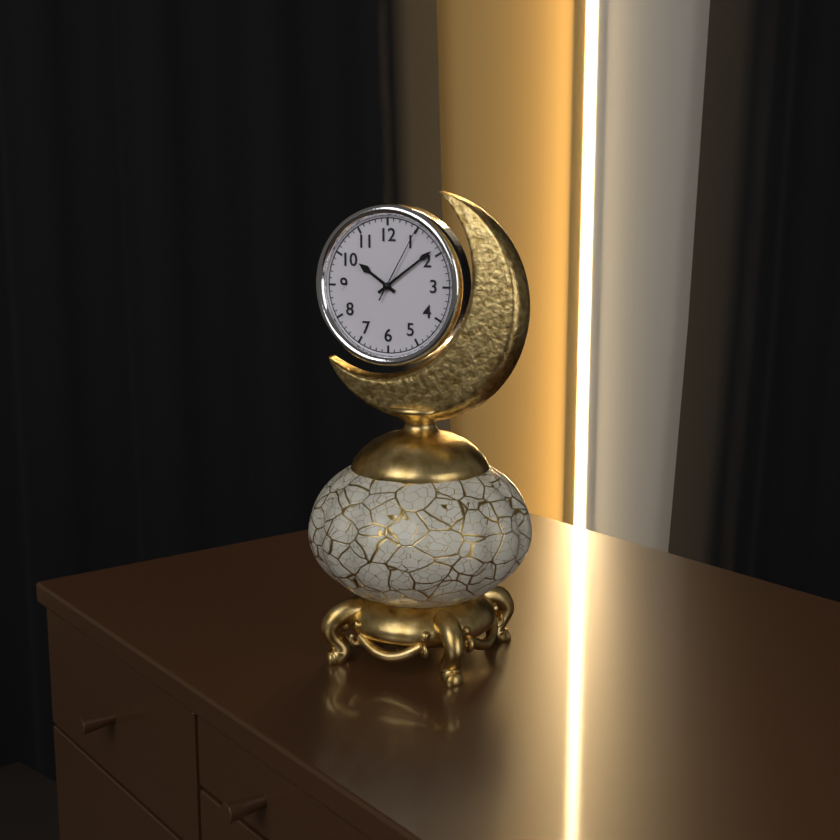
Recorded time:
{"hour": 10, "minute": 9, "second": 5}
